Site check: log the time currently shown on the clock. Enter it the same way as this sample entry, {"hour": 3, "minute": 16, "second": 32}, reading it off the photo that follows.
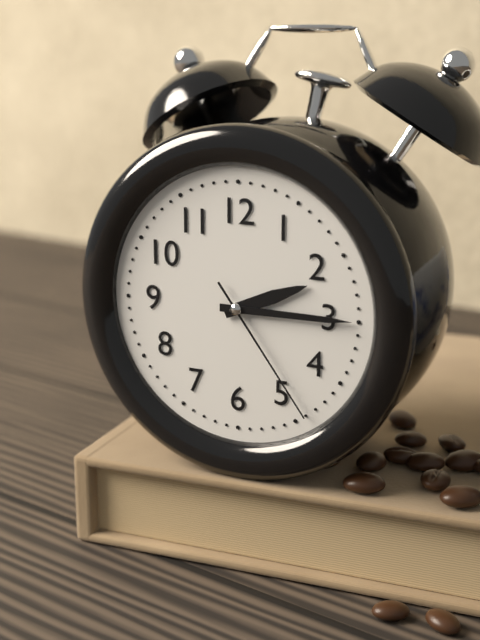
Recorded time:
{"hour": 2, "minute": 15, "second": 24}
